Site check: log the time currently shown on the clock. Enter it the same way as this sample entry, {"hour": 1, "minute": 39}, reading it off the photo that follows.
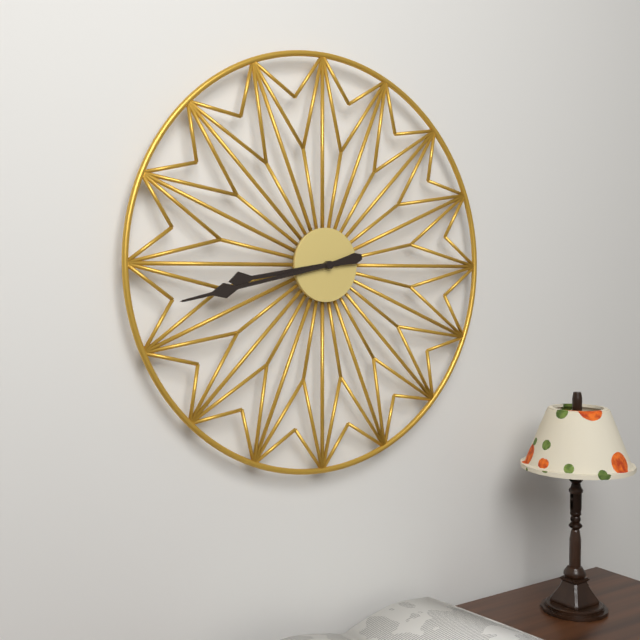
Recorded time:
{"hour": 8, "minute": 43}
